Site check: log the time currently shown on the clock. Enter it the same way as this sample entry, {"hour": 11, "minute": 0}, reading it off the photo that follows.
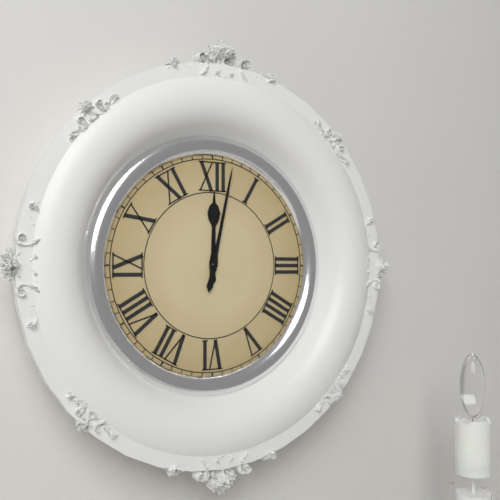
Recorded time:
{"hour": 12, "minute": 2}
